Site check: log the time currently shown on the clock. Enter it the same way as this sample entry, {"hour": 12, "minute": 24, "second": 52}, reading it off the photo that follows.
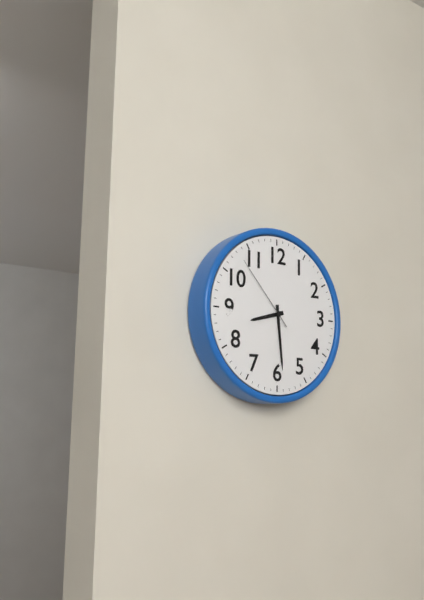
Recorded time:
{"hour": 8, "minute": 29, "second": 53}
